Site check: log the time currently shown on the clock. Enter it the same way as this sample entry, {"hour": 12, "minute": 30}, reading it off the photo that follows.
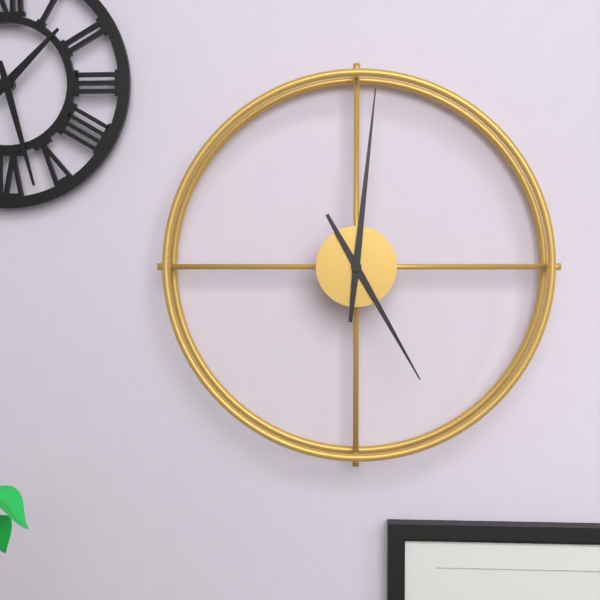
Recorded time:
{"hour": 5, "minute": 1}
